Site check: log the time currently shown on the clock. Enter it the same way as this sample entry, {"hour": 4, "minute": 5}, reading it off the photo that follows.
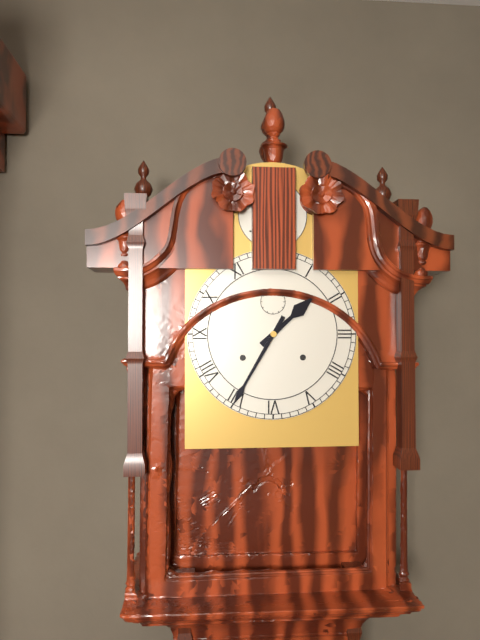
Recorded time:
{"hour": 1, "minute": 35}
